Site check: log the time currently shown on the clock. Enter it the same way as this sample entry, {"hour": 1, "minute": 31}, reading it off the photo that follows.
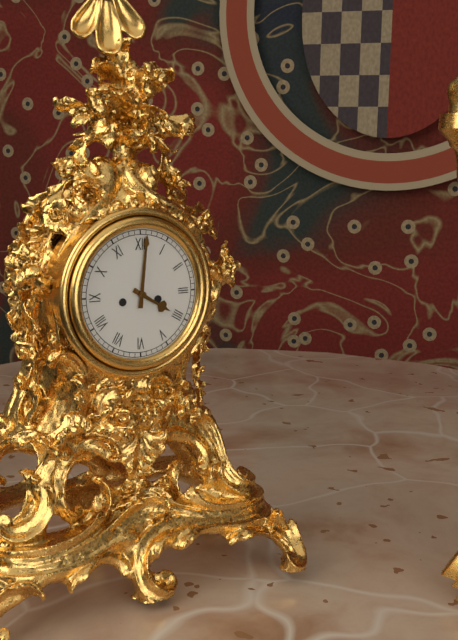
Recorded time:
{"hour": 4, "minute": 1}
